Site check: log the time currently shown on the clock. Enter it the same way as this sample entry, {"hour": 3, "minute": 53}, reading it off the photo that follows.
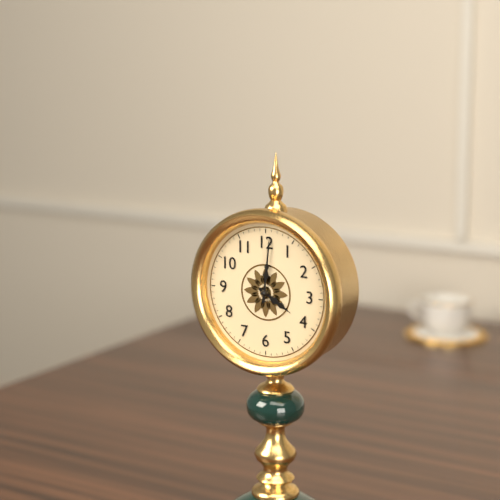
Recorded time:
{"hour": 4, "minute": 1}
